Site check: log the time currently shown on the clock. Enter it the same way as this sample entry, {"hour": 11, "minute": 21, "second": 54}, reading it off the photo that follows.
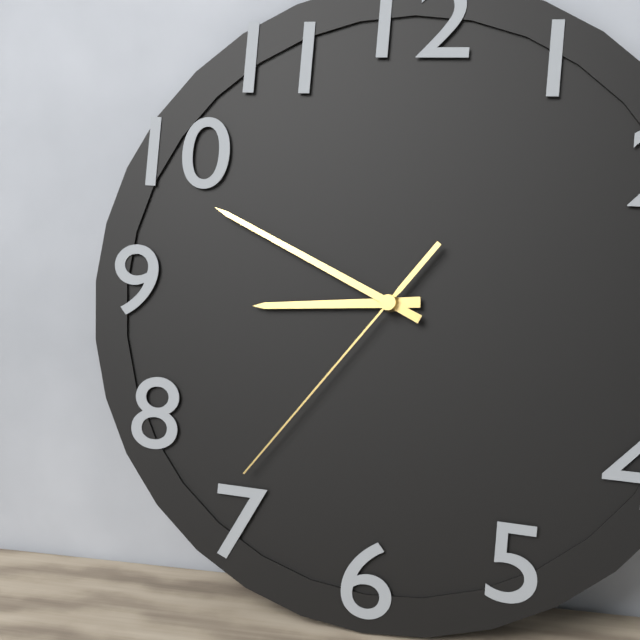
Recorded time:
{"hour": 8, "minute": 49, "second": 36}
